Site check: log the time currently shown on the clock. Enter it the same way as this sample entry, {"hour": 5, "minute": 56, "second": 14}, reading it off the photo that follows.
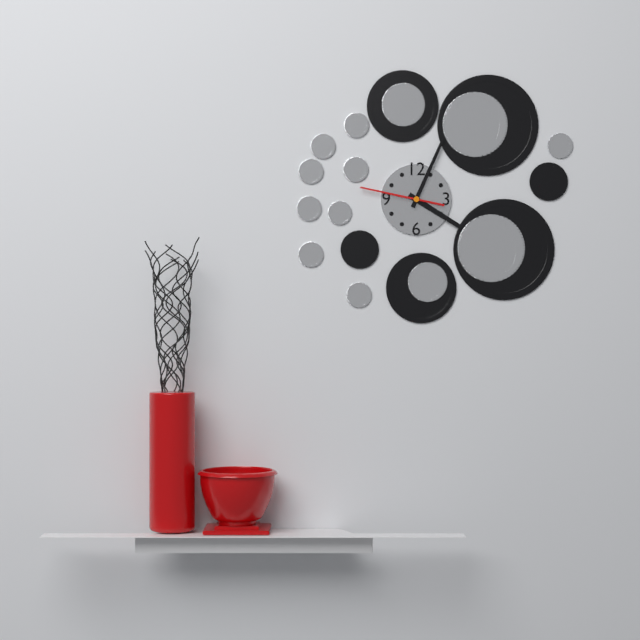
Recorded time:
{"hour": 4, "minute": 4, "second": 47}
